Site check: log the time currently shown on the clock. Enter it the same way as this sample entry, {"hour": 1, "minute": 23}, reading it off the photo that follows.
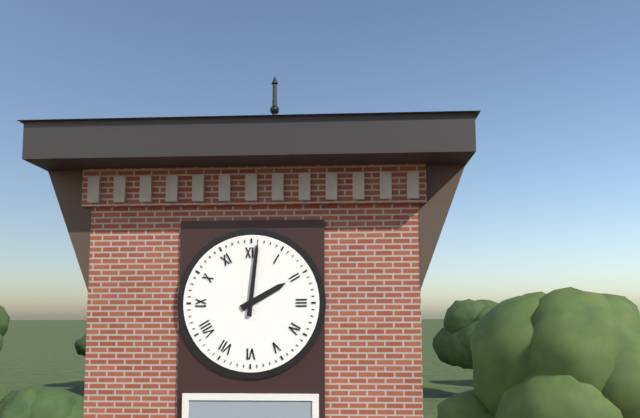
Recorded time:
{"hour": 2, "minute": 1}
